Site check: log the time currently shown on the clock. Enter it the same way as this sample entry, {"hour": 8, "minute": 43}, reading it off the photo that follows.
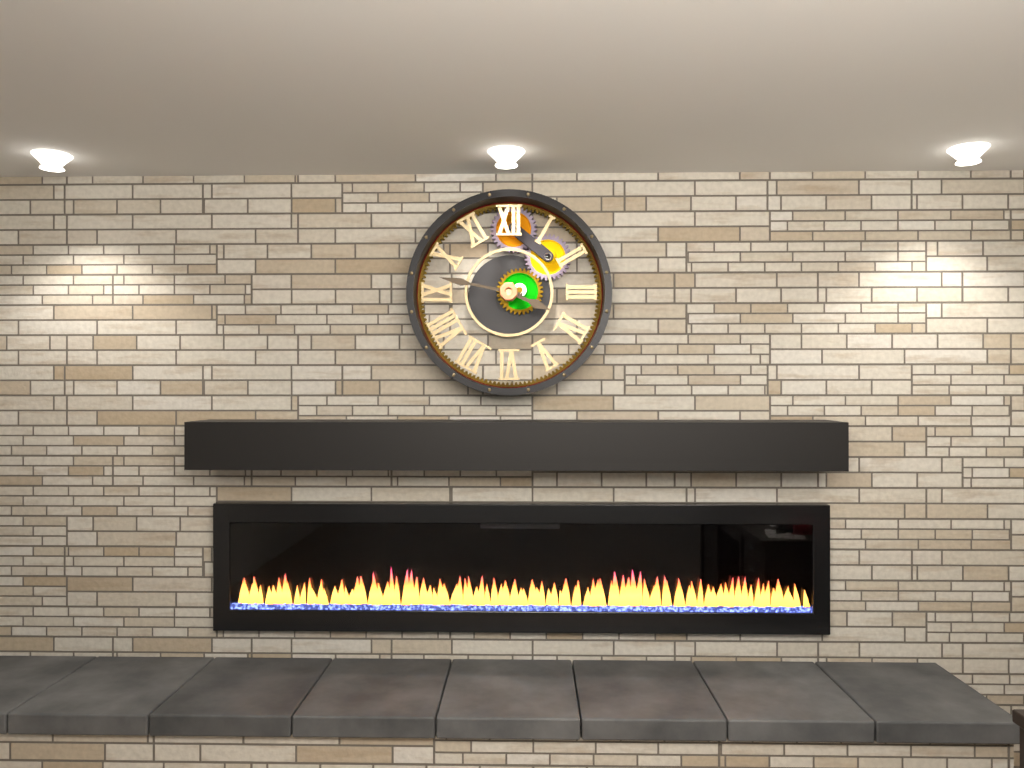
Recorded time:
{"hour": 3, "minute": 47}
